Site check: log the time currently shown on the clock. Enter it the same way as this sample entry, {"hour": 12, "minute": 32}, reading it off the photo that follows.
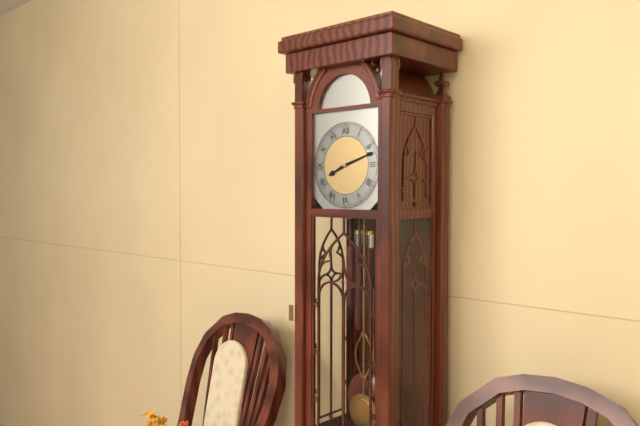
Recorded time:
{"hour": 8, "minute": 12}
